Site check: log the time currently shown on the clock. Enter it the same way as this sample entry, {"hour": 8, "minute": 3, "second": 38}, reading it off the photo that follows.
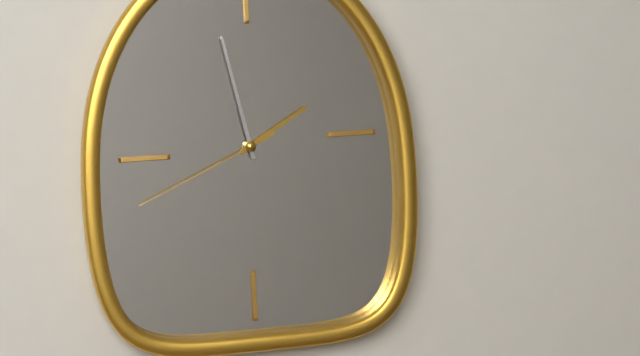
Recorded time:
{"hour": 1, "minute": 58, "second": 41}
